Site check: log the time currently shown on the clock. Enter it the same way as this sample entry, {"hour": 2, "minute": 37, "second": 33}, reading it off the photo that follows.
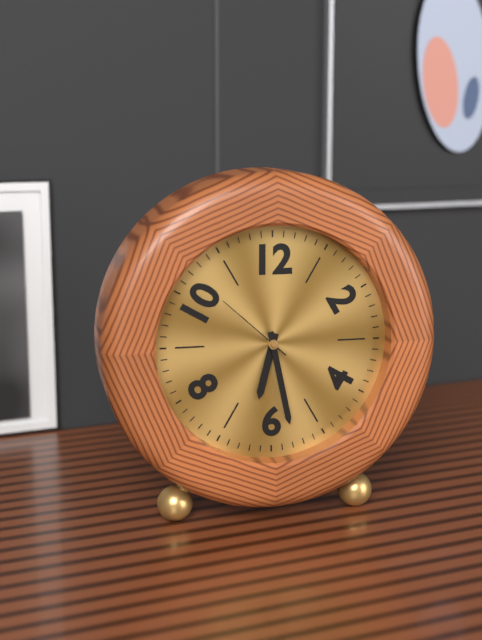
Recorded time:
{"hour": 6, "minute": 28, "second": 52}
